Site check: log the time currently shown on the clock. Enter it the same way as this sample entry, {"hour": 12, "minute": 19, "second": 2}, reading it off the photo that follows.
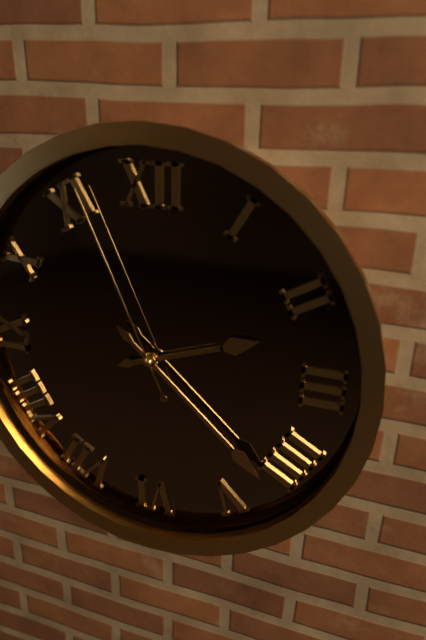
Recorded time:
{"hour": 2, "minute": 22, "second": 56}
